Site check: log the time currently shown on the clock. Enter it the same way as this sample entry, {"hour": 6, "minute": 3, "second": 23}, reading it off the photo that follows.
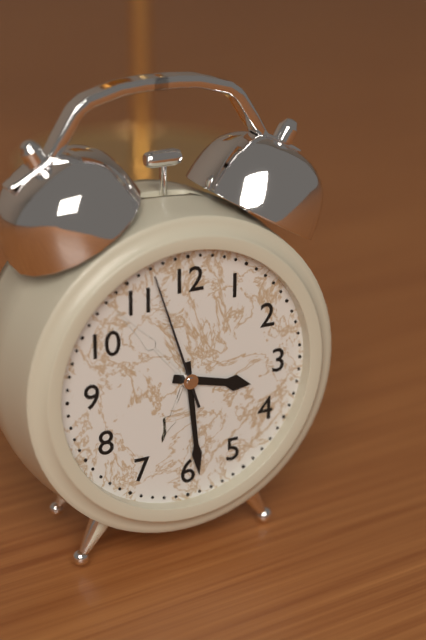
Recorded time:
{"hour": 3, "minute": 29, "second": 57}
